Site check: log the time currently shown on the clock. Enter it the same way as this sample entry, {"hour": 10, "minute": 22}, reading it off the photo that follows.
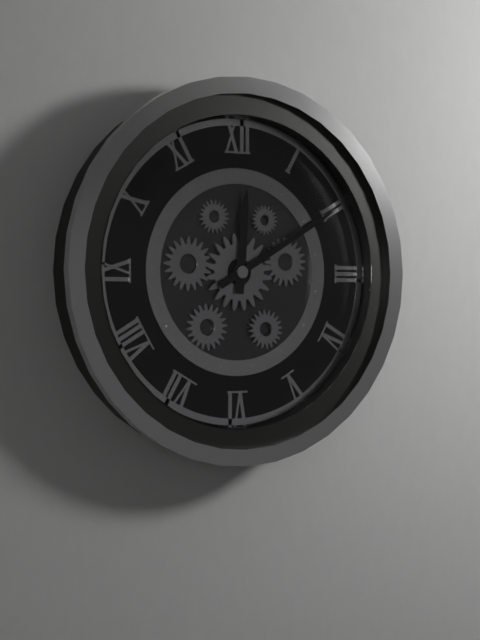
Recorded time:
{"hour": 12, "minute": 10}
